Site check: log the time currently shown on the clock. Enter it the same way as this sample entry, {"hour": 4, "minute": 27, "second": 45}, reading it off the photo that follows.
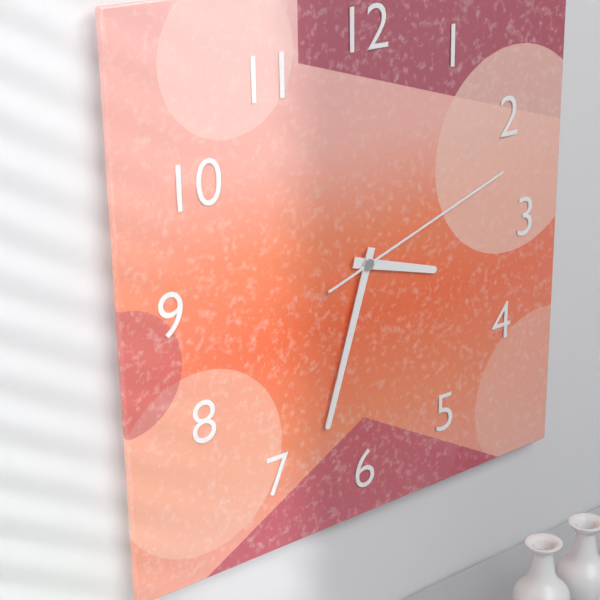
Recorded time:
{"hour": 3, "minute": 33, "second": 12}
